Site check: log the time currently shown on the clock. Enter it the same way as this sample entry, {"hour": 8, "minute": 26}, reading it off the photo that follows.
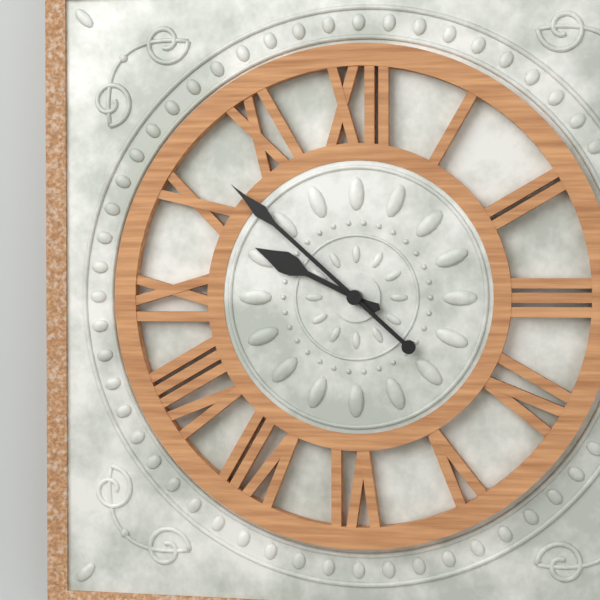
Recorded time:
{"hour": 9, "minute": 52}
